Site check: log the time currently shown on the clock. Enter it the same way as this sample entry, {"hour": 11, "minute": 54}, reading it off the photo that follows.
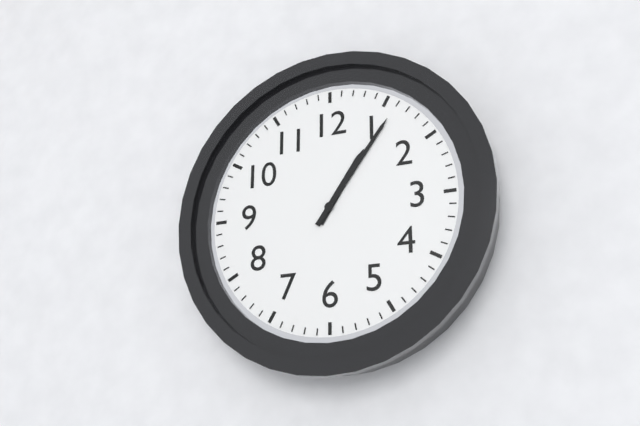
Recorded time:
{"hour": 1, "minute": 6}
